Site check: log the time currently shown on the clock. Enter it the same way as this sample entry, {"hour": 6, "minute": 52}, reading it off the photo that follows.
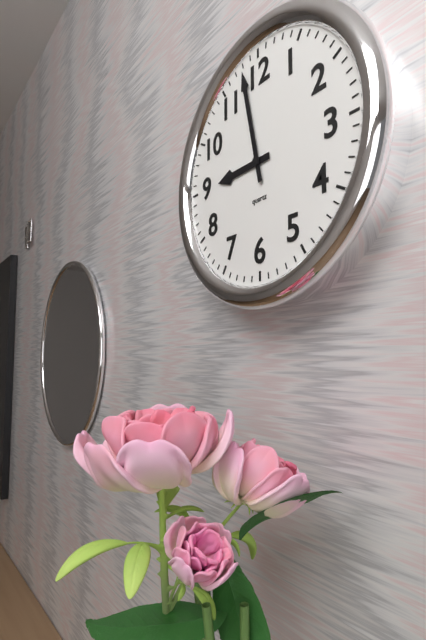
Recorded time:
{"hour": 8, "minute": 58}
